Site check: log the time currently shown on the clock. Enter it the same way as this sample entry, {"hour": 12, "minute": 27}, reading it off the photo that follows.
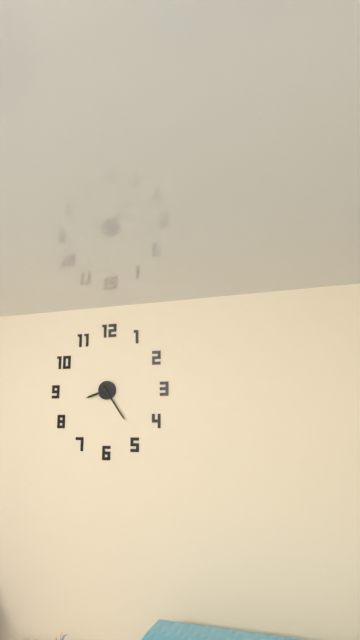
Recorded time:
{"hour": 8, "minute": 24}
